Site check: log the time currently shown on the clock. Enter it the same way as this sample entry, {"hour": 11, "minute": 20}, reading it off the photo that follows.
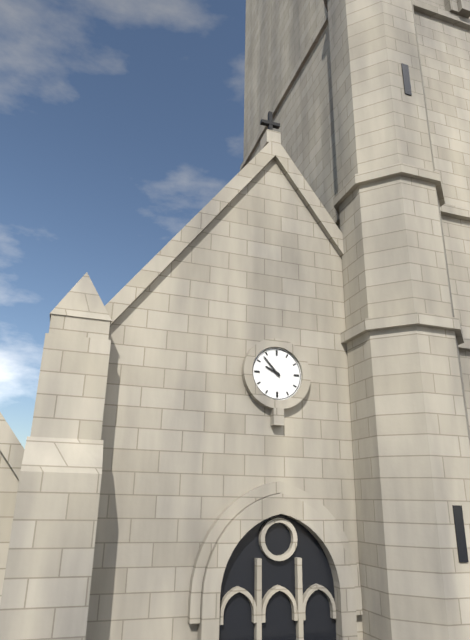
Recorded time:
{"hour": 9, "minute": 53}
